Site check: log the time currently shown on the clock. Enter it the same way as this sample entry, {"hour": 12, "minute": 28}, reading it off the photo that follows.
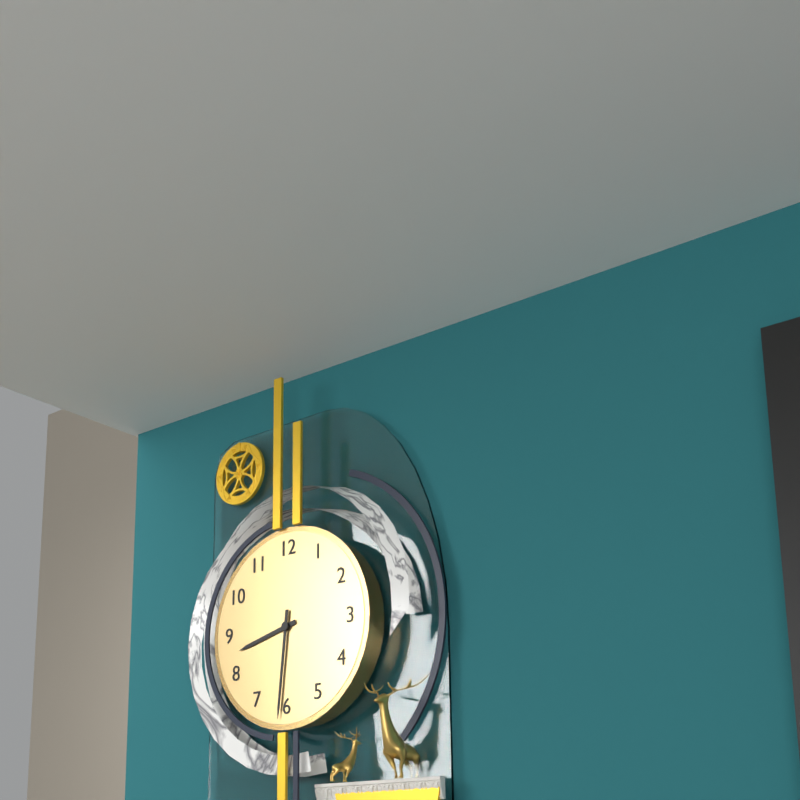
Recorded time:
{"hour": 8, "minute": 31}
